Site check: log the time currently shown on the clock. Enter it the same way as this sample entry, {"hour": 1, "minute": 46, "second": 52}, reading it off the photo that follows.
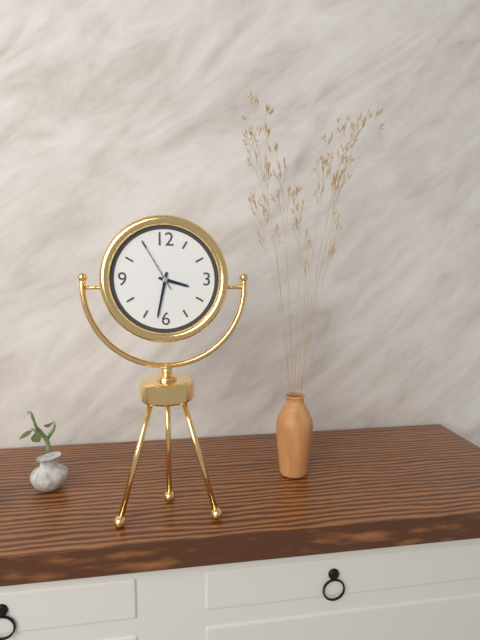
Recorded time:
{"hour": 3, "minute": 32, "second": 55}
